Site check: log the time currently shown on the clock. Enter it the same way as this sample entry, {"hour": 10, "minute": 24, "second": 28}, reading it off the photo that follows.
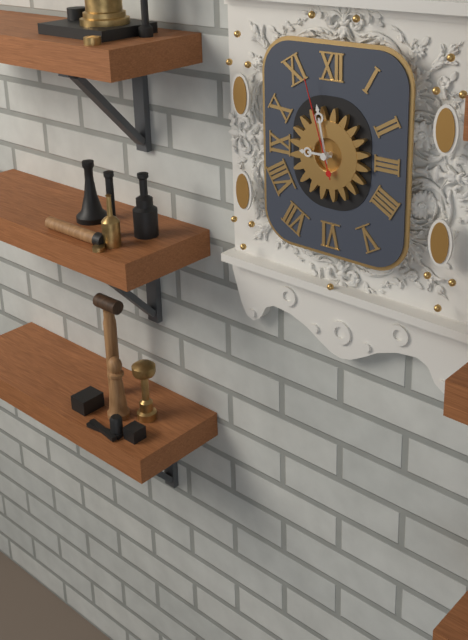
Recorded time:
{"hour": 8, "minute": 58, "second": 57}
